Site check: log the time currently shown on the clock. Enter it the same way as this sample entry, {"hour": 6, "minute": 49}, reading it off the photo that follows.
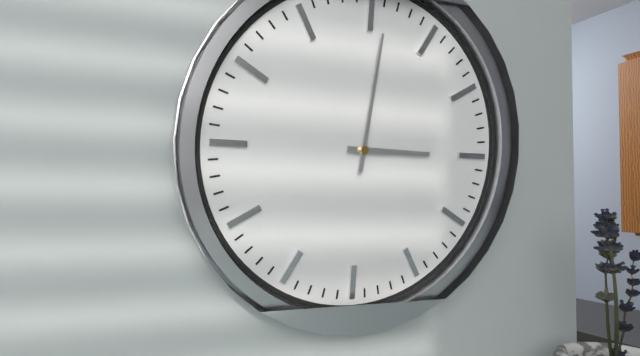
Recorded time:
{"hour": 3, "minute": 1}
